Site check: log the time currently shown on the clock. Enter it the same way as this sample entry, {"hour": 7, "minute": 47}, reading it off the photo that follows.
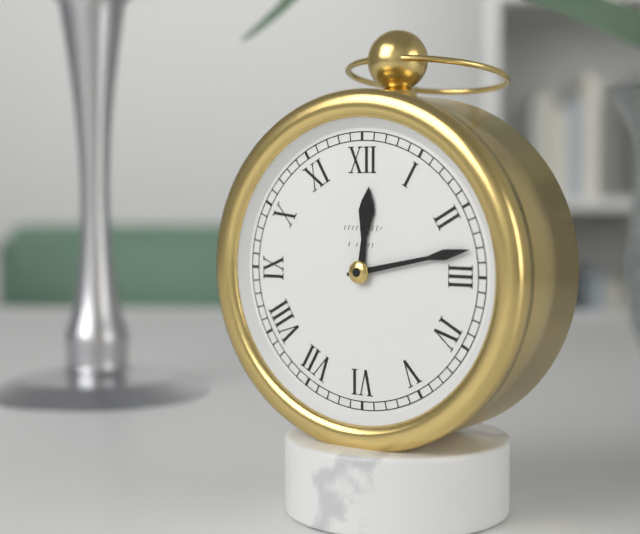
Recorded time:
{"hour": 12, "minute": 13}
